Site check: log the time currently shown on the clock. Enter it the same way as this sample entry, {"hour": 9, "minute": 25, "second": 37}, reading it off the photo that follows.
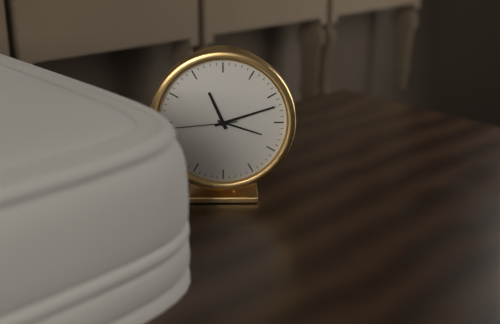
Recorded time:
{"hour": 11, "minute": 12, "second": 44}
